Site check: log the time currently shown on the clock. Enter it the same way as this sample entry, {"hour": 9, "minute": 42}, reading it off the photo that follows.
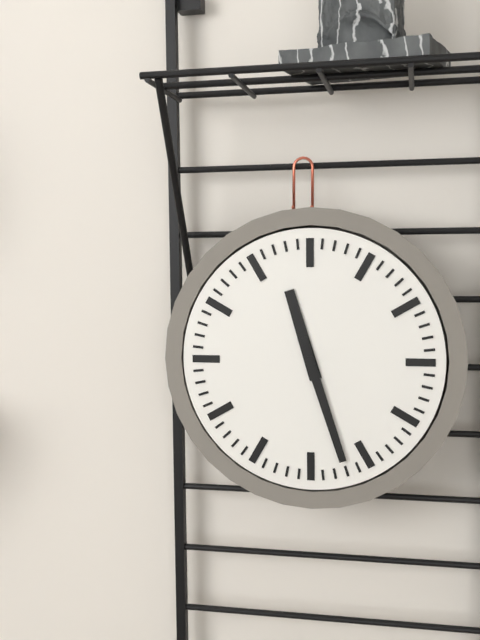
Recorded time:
{"hour": 11, "minute": 27}
